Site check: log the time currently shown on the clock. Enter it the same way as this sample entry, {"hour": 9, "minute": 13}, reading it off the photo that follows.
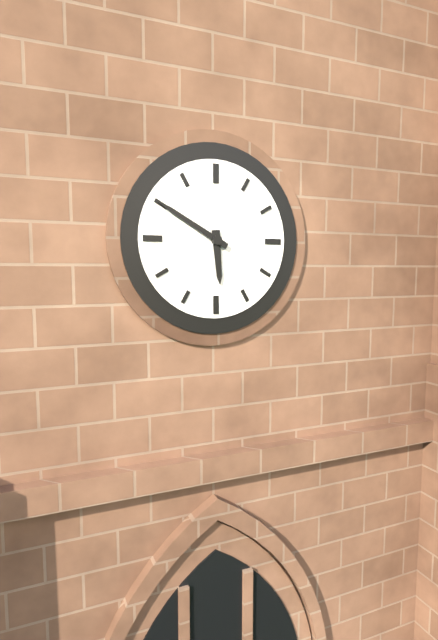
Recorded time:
{"hour": 5, "minute": 50}
